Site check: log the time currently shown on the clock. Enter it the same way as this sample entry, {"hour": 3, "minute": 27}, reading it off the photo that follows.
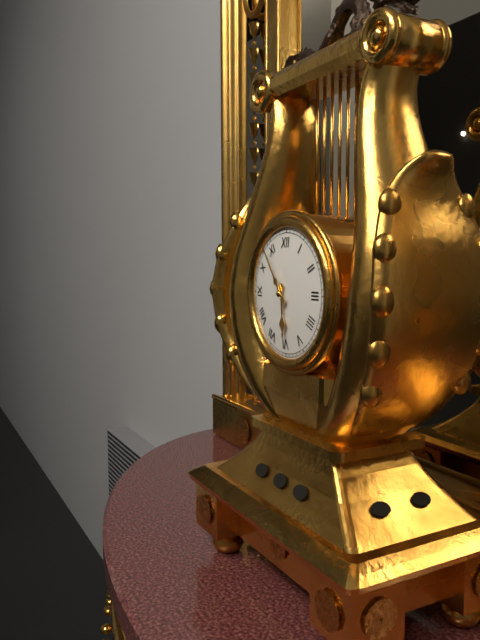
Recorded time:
{"hour": 5, "minute": 54}
